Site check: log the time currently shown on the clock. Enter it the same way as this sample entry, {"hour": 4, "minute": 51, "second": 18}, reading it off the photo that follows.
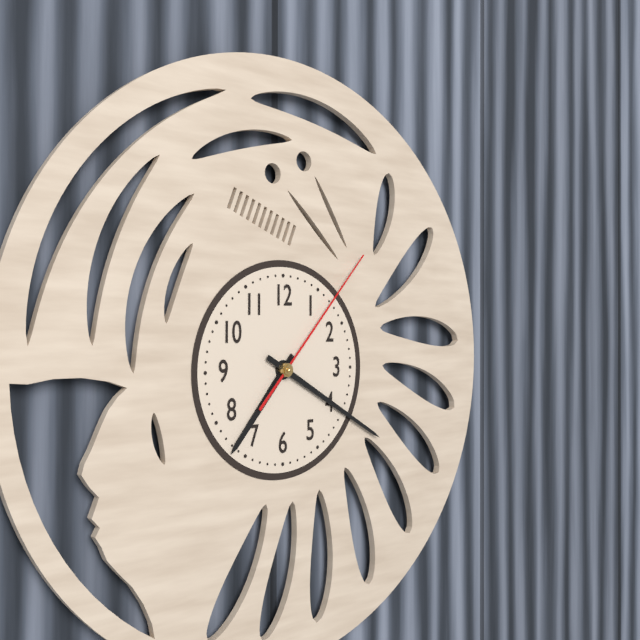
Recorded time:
{"hour": 7, "minute": 20, "second": 7}
